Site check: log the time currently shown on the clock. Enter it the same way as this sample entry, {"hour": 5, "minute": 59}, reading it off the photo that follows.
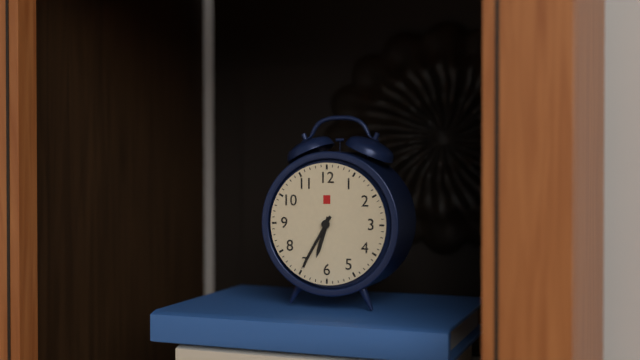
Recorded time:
{"hour": 6, "minute": 35}
